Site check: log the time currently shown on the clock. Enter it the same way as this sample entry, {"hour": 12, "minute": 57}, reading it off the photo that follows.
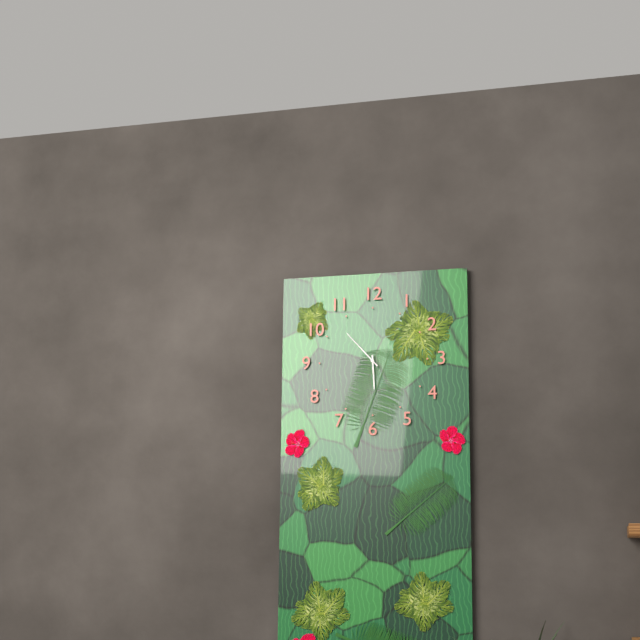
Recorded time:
{"hour": 5, "minute": 53}
